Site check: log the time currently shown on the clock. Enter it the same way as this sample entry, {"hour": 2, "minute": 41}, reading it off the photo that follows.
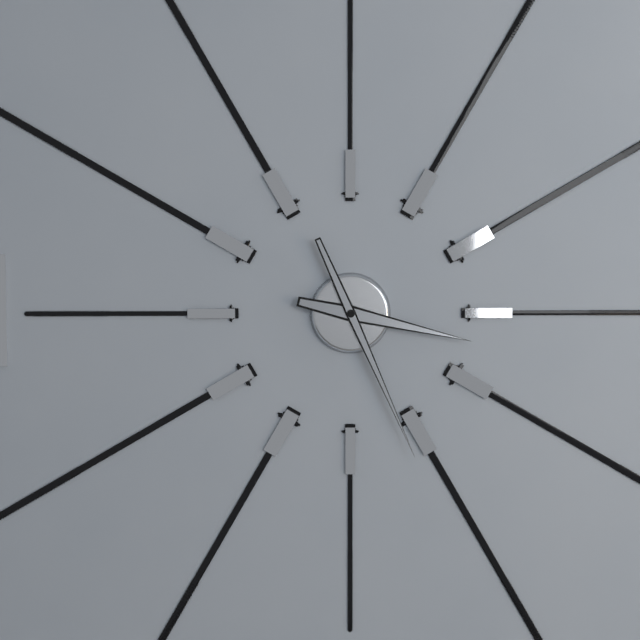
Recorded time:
{"hour": 3, "minute": 26}
